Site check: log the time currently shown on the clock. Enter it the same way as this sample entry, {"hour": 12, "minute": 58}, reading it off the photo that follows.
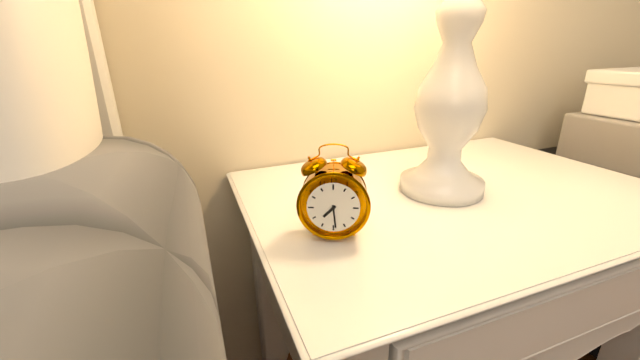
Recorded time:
{"hour": 7, "minute": 29}
